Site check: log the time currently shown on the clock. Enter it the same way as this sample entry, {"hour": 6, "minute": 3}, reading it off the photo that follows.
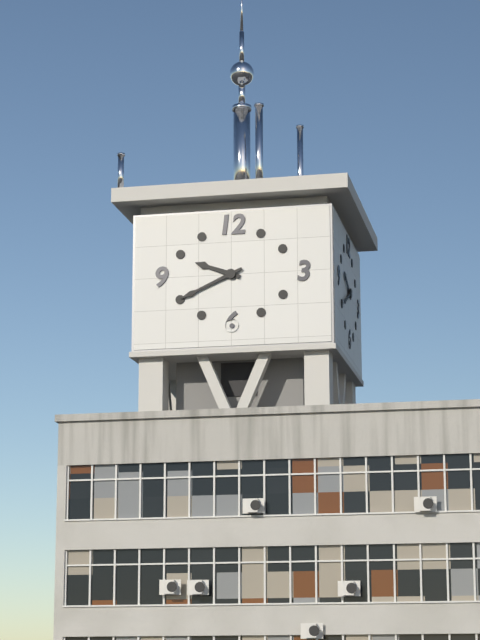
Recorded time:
{"hour": 9, "minute": 41}
